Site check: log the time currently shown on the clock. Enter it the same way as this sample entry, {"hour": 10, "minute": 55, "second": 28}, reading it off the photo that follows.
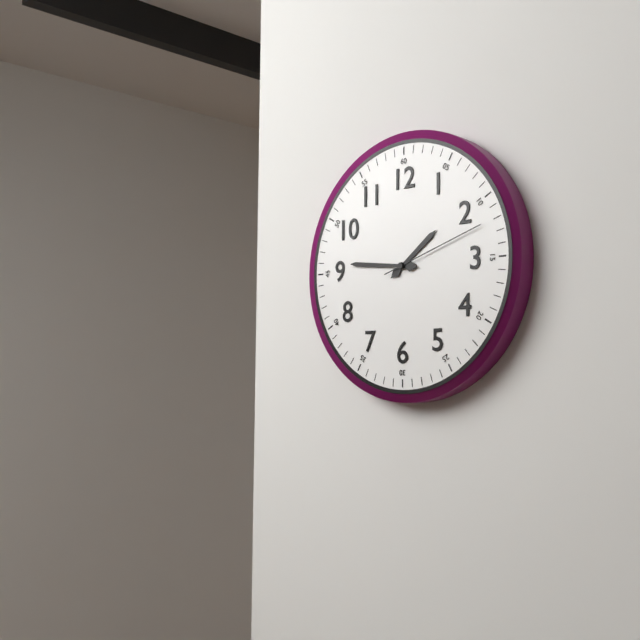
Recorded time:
{"hour": 1, "minute": 46, "second": 12}
